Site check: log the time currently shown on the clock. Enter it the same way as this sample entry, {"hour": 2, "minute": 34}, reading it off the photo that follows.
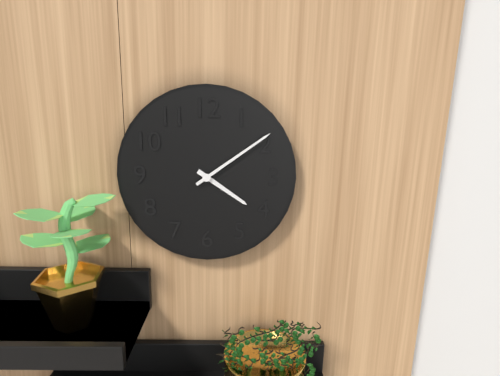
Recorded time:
{"hour": 4, "minute": 9}
